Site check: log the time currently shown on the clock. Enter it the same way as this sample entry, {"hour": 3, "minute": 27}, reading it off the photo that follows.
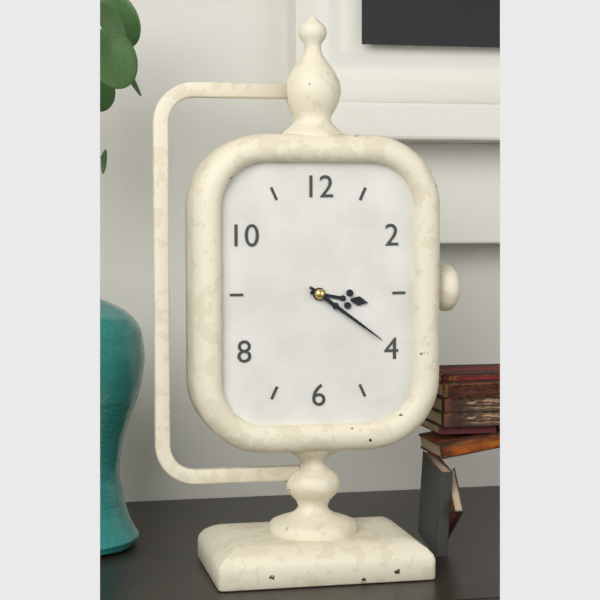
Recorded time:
{"hour": 3, "minute": 21}
